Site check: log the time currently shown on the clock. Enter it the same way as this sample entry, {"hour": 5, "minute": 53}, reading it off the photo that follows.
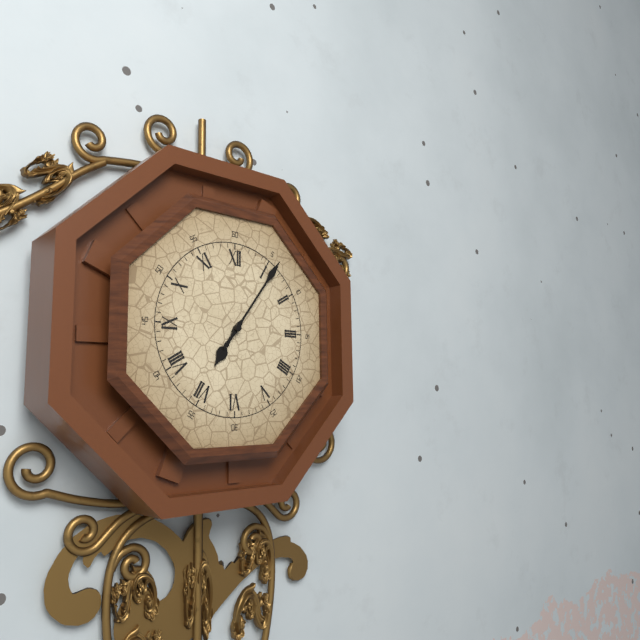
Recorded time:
{"hour": 7, "minute": 6}
